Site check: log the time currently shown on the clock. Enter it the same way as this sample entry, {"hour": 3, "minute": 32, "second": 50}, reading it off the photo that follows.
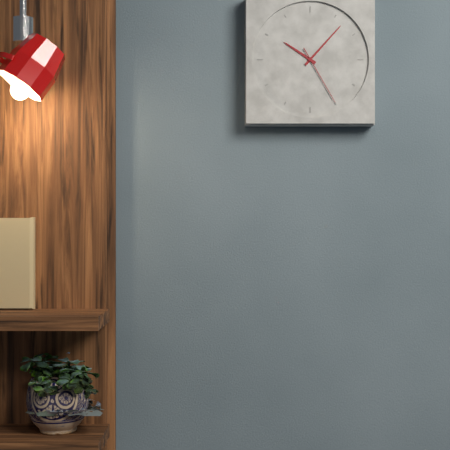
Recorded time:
{"hour": 10, "minute": 7, "second": 25}
